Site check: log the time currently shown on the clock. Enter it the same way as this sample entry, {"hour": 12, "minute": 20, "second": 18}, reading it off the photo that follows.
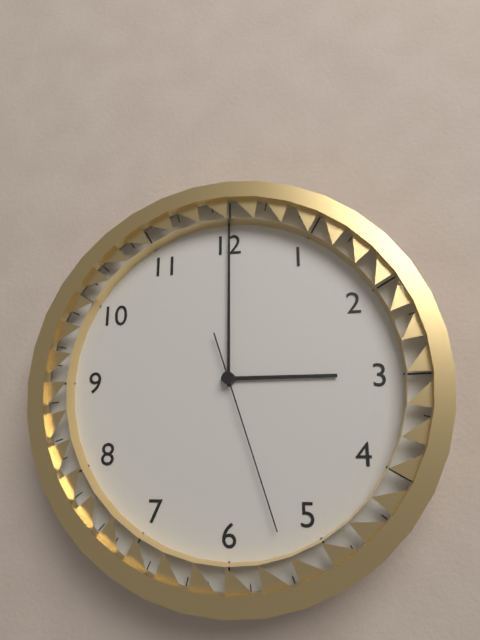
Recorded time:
{"hour": 3, "minute": 0, "second": 27}
